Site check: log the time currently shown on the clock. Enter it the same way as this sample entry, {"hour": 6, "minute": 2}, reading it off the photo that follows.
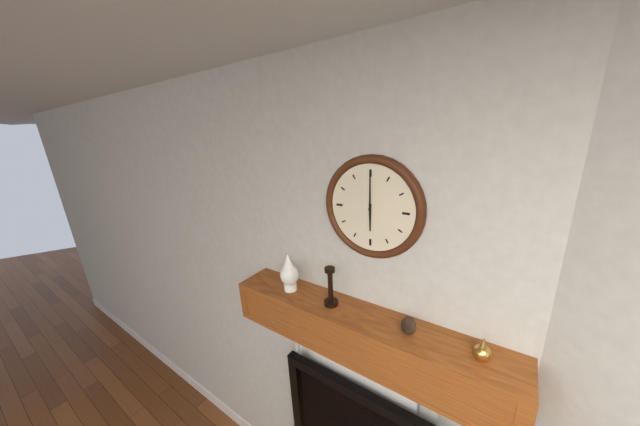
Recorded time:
{"hour": 6, "minute": 0}
